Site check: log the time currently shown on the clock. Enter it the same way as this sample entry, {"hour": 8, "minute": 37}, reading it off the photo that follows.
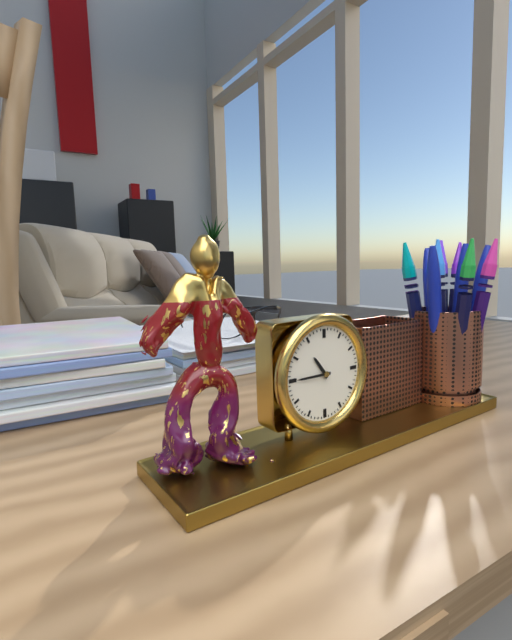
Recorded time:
{"hour": 10, "minute": 45}
